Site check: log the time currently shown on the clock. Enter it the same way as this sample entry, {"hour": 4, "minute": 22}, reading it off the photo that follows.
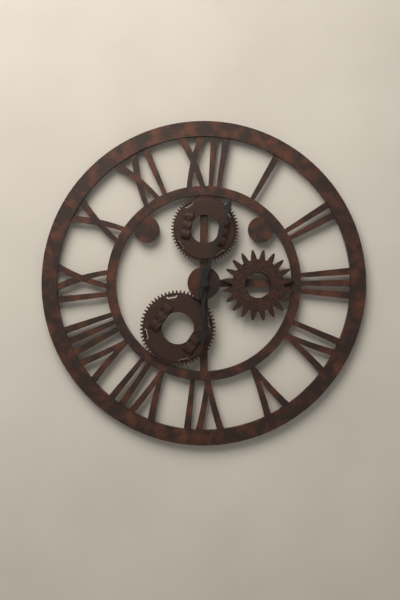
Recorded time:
{"hour": 6, "minute": 3}
